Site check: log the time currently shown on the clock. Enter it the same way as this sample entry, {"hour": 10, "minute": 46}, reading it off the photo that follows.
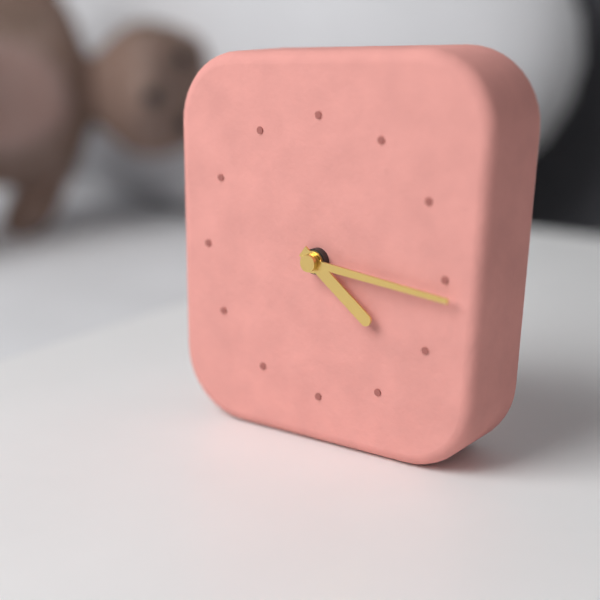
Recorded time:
{"hour": 4, "minute": 16}
